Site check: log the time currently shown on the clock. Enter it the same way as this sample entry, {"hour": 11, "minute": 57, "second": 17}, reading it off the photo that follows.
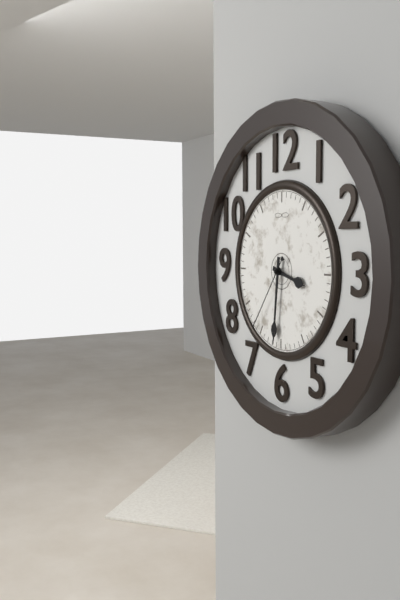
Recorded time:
{"hour": 3, "minute": 31, "second": 36}
